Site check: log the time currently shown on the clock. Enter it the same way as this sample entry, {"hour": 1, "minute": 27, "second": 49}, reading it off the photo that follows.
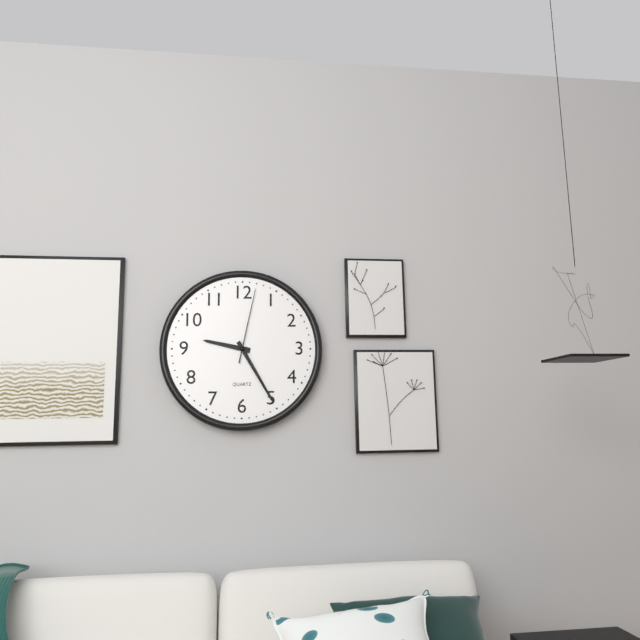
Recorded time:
{"hour": 9, "minute": 25, "second": 2}
